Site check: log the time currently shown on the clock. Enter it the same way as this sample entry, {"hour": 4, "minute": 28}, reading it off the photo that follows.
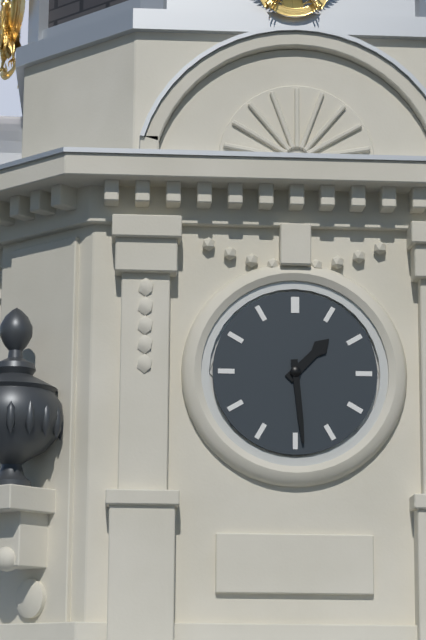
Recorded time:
{"hour": 1, "minute": 29}
